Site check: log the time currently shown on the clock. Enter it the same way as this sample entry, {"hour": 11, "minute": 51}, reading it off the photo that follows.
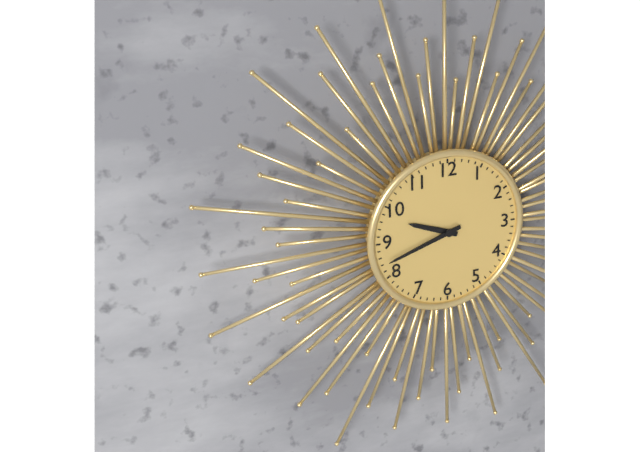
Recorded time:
{"hour": 9, "minute": 42}
